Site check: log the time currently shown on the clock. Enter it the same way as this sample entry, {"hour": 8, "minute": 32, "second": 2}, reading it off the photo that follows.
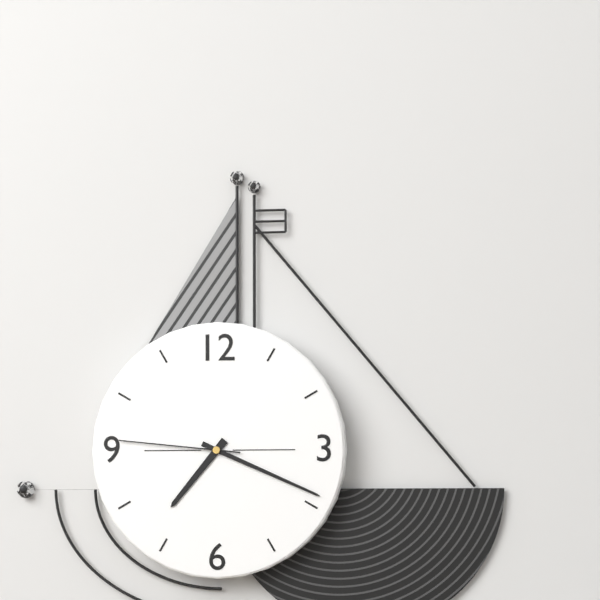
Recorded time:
{"hour": 7, "minute": 19, "second": 46}
